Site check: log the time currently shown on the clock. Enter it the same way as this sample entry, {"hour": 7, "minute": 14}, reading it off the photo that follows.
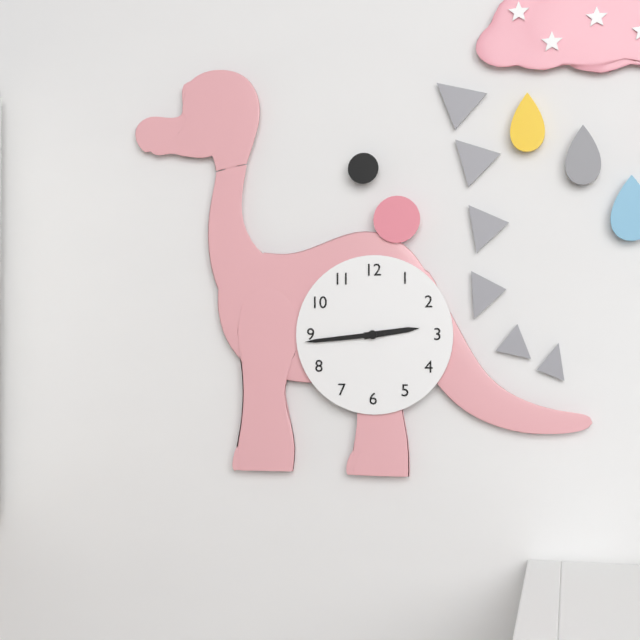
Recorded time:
{"hour": 2, "minute": 44}
